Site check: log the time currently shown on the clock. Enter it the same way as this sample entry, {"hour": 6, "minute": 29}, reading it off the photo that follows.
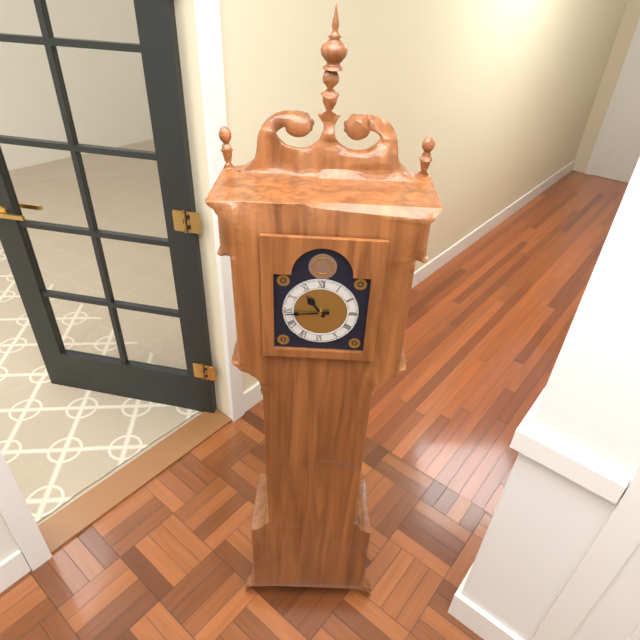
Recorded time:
{"hour": 10, "minute": 44}
